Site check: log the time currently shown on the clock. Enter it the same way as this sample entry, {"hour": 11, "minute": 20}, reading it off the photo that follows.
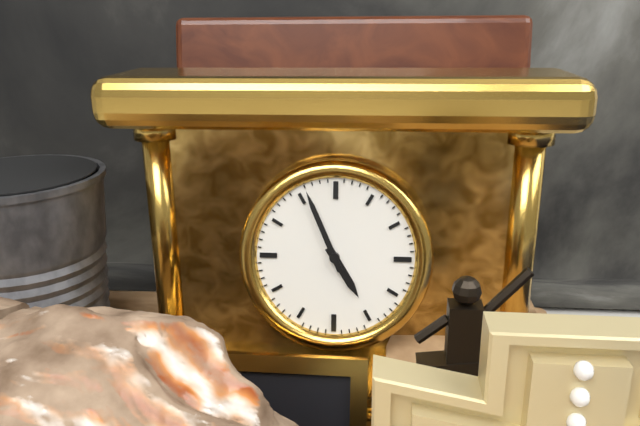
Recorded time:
{"hour": 4, "minute": 56}
